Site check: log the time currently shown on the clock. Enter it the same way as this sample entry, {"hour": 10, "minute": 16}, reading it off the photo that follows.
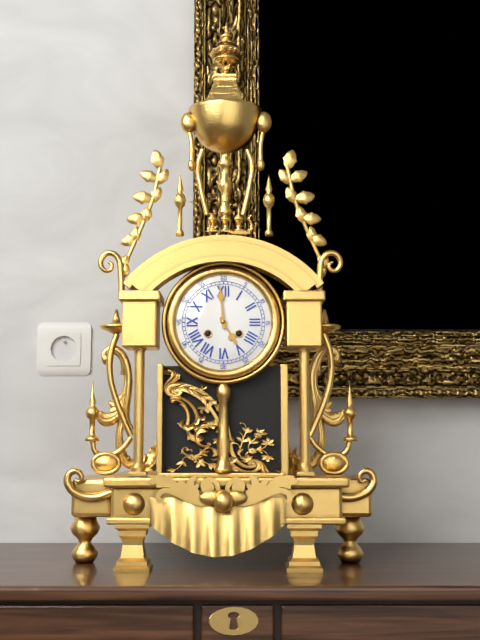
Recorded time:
{"hour": 4, "minute": 59}
